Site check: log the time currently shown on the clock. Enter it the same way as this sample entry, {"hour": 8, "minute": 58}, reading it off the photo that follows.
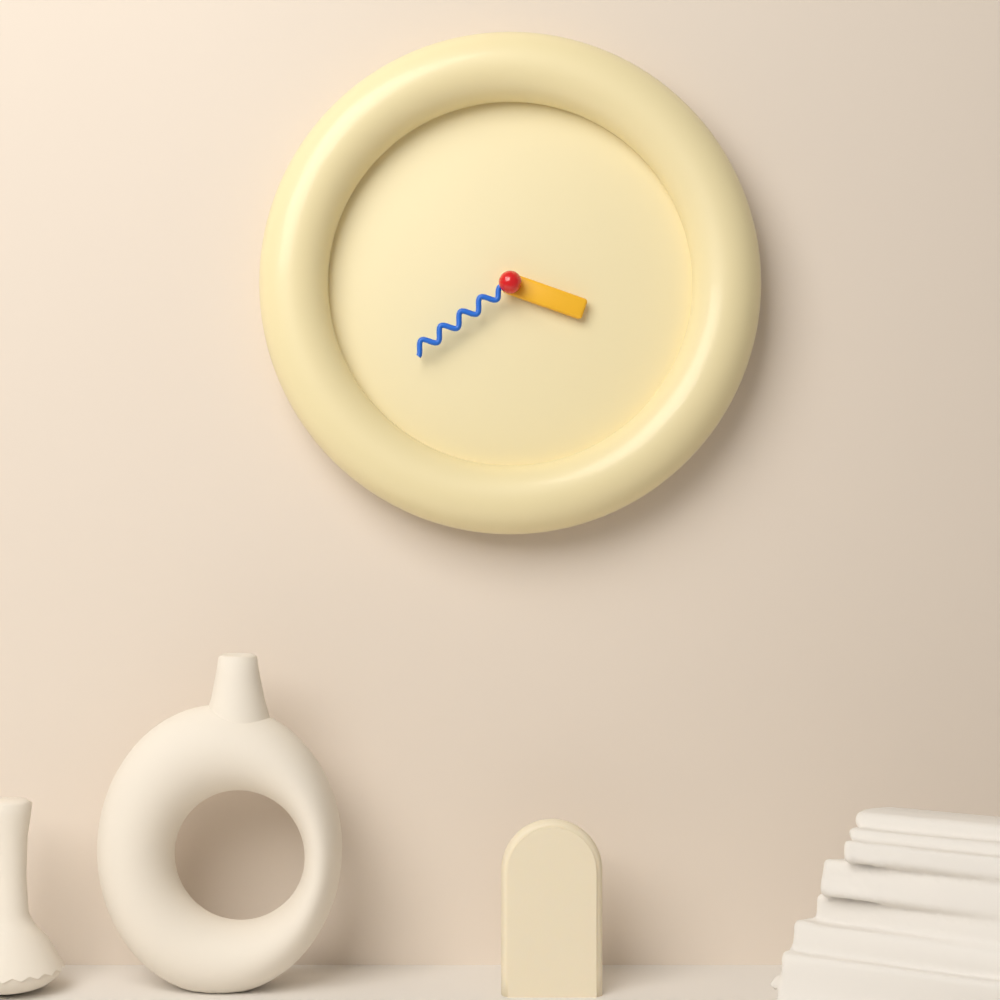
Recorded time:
{"hour": 3, "minute": 39}
